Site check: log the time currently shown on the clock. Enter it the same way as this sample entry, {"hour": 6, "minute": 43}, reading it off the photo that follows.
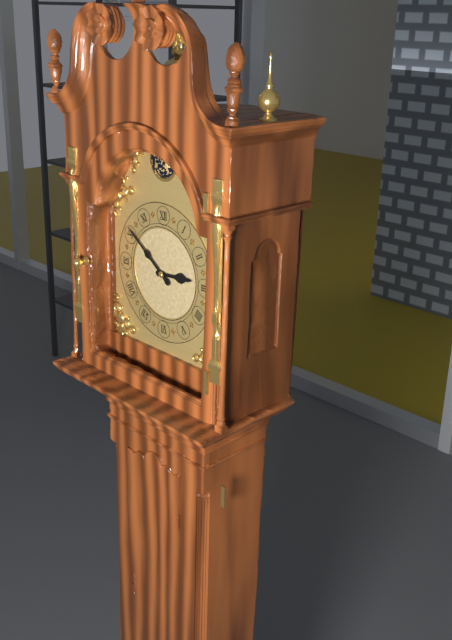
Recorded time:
{"hour": 2, "minute": 51}
